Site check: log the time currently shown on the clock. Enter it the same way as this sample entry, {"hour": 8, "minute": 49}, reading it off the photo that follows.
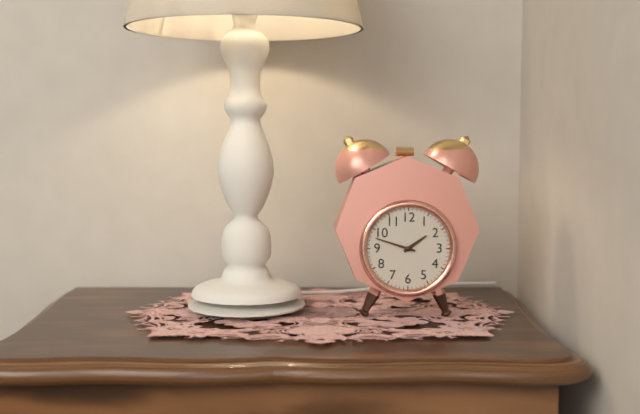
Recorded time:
{"hour": 1, "minute": 48}
